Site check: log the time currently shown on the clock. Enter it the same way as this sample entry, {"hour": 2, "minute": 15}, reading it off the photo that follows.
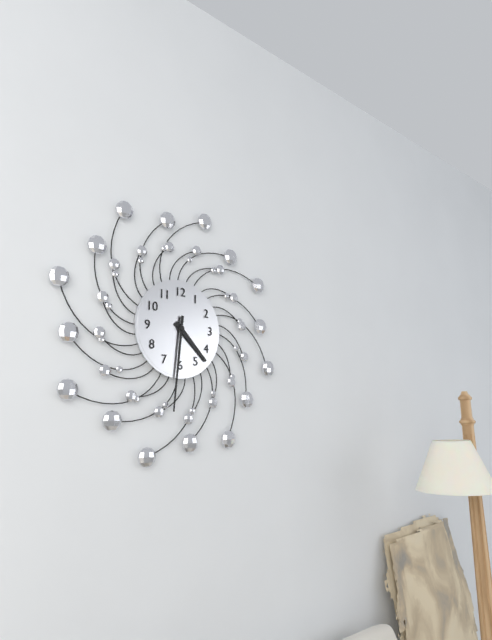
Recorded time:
{"hour": 4, "minute": 31}
